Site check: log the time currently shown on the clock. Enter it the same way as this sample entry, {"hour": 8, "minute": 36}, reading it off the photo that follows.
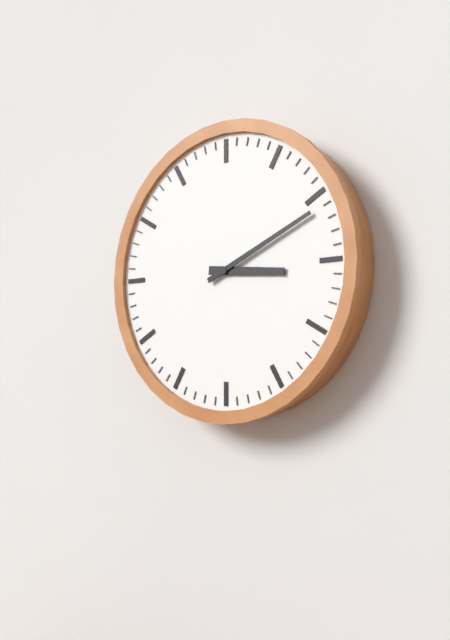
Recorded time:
{"hour": 3, "minute": 11}
